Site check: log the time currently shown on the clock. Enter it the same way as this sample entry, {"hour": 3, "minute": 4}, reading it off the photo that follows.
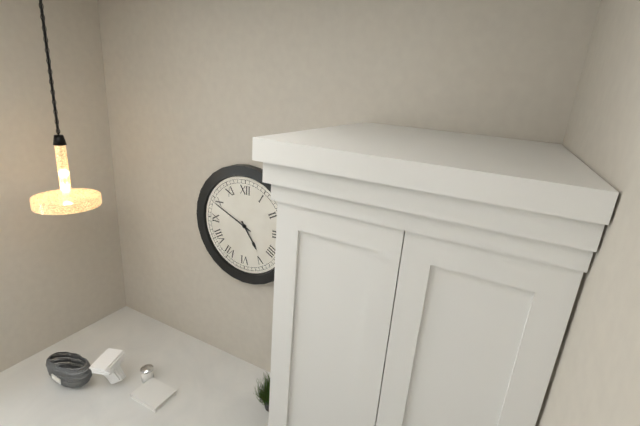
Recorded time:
{"hour": 4, "minute": 49}
